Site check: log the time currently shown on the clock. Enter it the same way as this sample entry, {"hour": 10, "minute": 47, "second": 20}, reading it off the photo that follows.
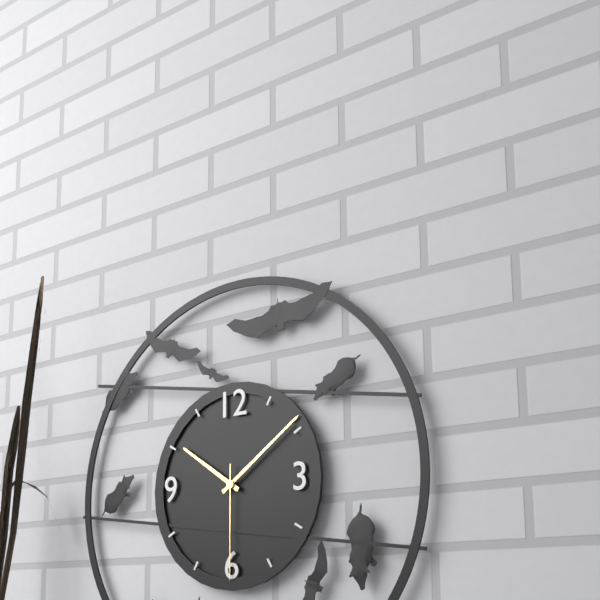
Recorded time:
{"hour": 10, "minute": 9, "second": 30}
